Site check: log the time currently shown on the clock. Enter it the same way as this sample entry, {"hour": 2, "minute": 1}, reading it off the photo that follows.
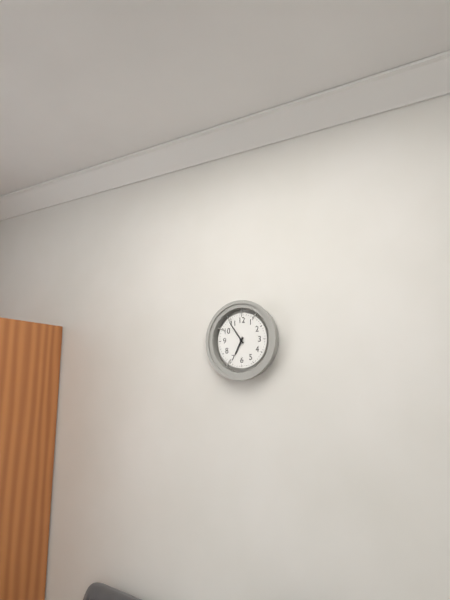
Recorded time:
{"hour": 6, "minute": 54}
